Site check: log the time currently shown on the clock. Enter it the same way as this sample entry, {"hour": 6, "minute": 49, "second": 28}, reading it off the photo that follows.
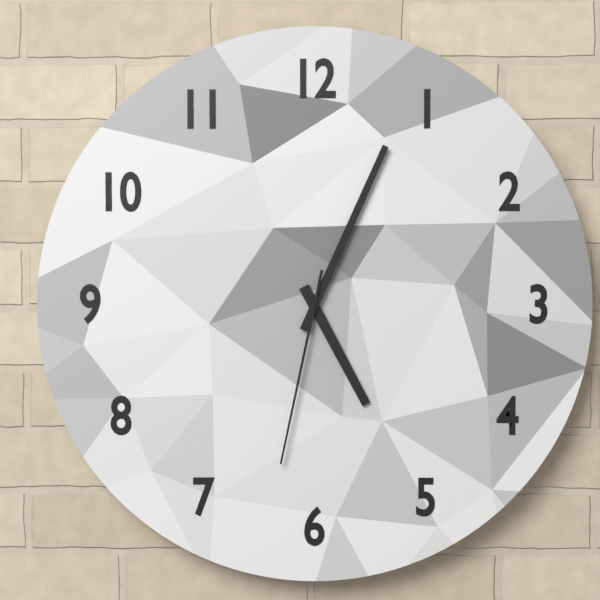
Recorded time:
{"hour": 5, "minute": 4, "second": 32}
